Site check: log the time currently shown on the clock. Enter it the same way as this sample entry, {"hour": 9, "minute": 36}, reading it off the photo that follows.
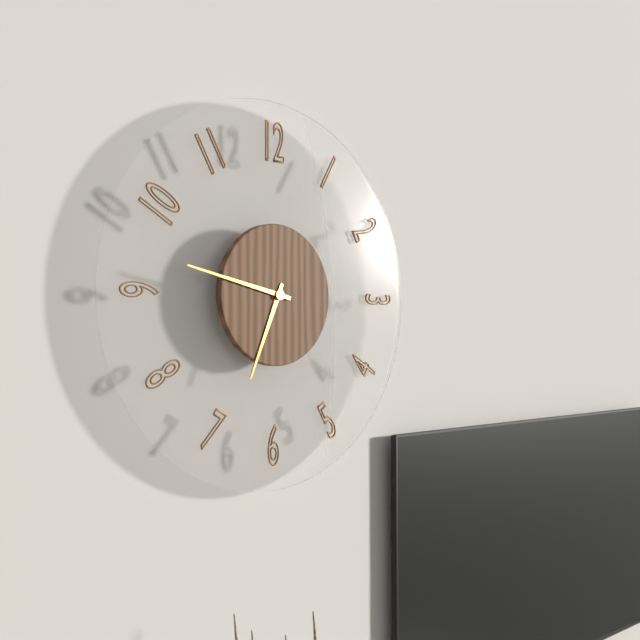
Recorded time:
{"hour": 6, "minute": 47}
